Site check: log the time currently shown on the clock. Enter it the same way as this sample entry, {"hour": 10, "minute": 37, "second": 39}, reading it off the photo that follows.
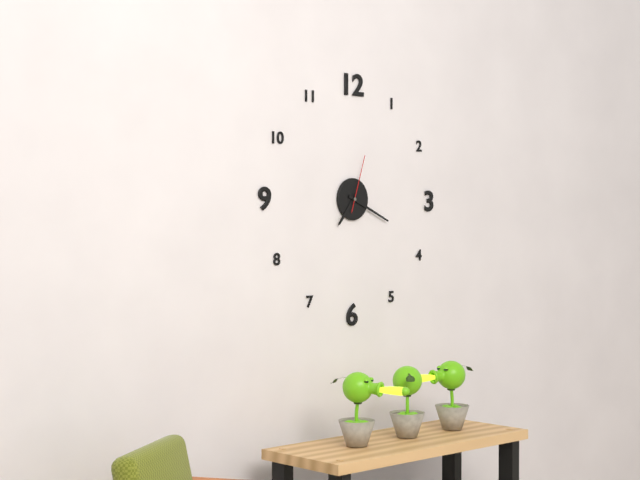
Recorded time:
{"hour": 7, "minute": 19, "second": 3}
